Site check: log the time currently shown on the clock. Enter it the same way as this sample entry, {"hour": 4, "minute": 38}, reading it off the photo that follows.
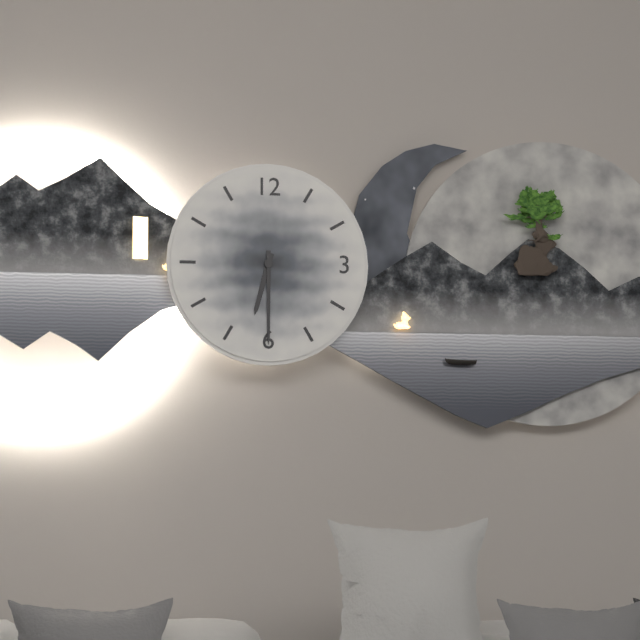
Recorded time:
{"hour": 6, "minute": 30}
